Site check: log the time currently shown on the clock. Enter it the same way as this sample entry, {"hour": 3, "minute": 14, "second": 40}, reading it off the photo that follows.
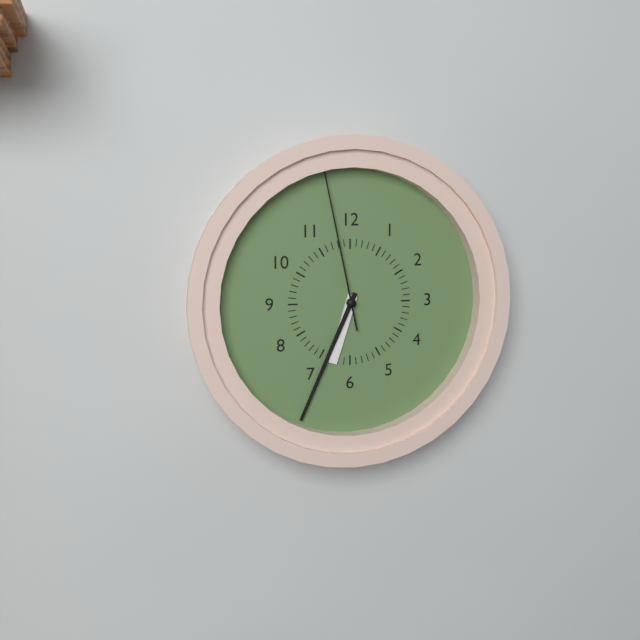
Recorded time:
{"hour": 6, "minute": 34, "second": 58}
